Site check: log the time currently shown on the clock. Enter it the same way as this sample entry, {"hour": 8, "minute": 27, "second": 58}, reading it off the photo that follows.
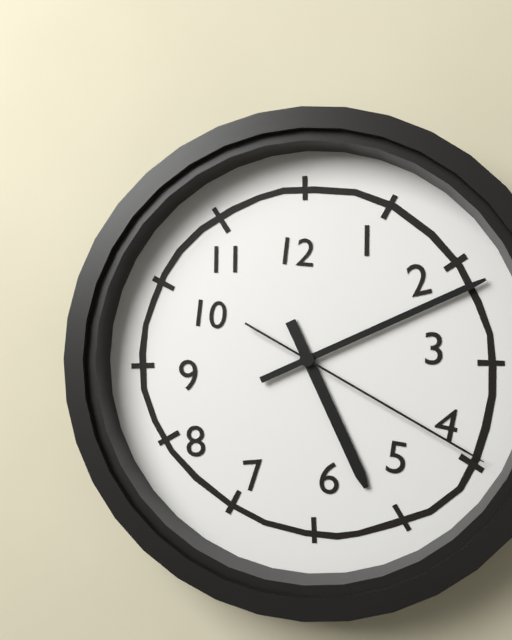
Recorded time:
{"hour": 5, "minute": 11, "second": 20}
